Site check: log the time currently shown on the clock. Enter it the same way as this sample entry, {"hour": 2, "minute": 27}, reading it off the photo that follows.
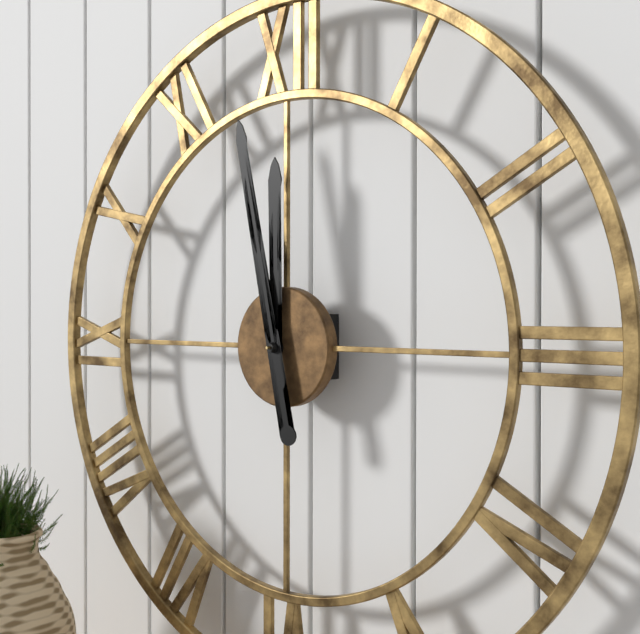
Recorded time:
{"hour": 11, "minute": 58}
